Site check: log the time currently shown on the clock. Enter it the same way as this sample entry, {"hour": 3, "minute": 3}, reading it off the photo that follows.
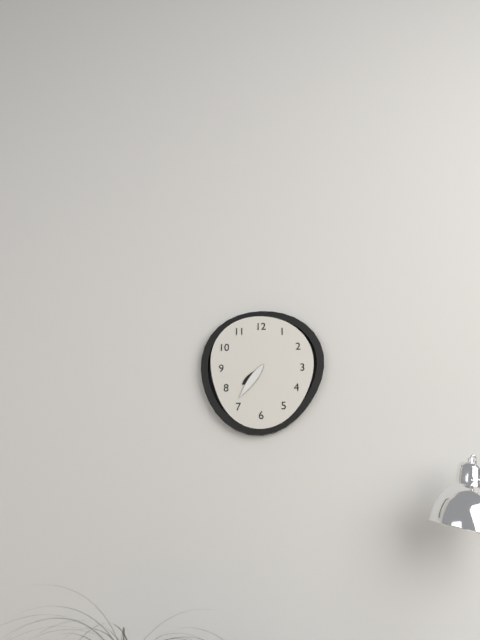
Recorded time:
{"hour": 7, "minute": 36}
